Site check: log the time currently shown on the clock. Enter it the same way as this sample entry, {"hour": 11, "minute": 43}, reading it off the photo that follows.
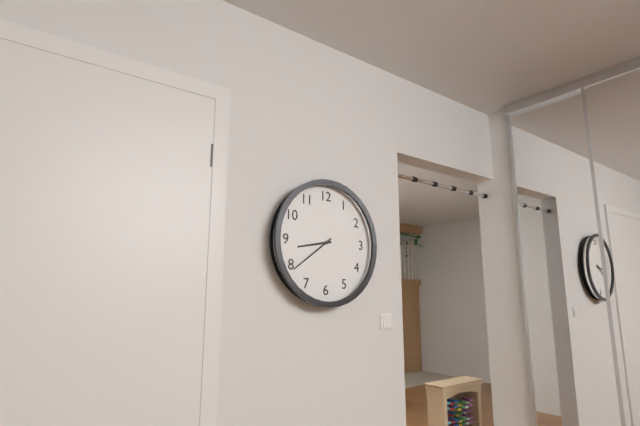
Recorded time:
{"hour": 8, "minute": 39}
